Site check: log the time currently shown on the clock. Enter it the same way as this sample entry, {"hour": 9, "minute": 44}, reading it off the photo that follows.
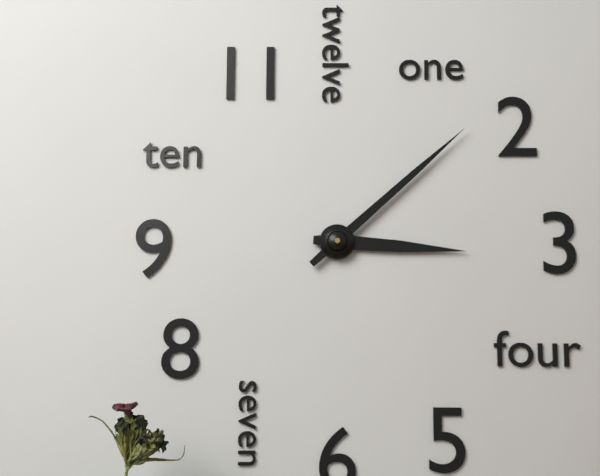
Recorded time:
{"hour": 3, "minute": 8}
